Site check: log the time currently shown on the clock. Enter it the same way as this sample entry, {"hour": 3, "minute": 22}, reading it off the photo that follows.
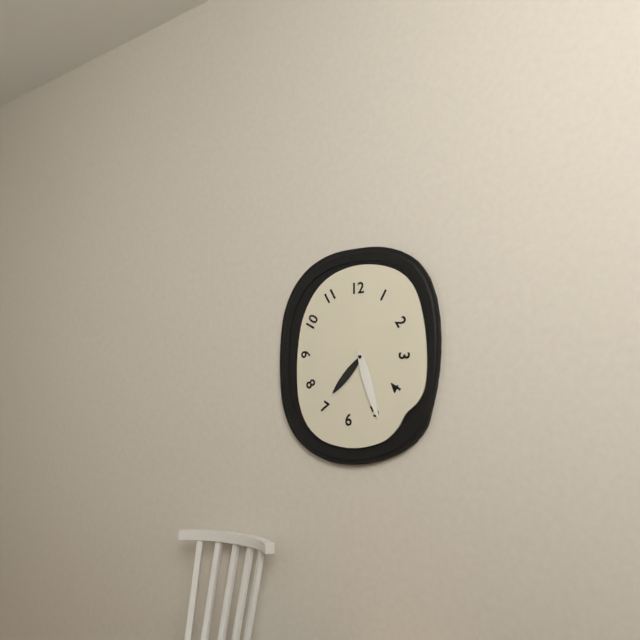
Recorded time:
{"hour": 7, "minute": 27}
